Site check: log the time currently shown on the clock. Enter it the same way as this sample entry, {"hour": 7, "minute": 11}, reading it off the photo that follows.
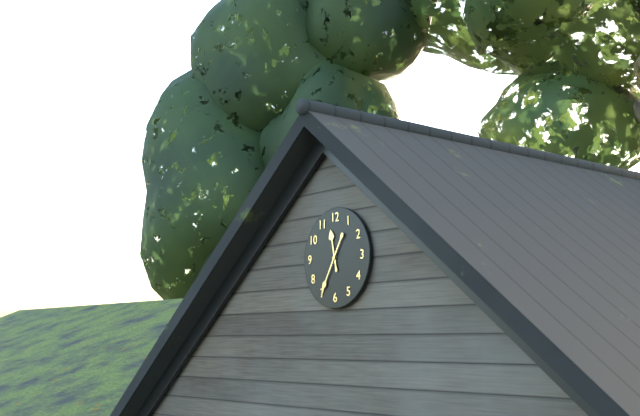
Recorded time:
{"hour": 11, "minute": 35}
